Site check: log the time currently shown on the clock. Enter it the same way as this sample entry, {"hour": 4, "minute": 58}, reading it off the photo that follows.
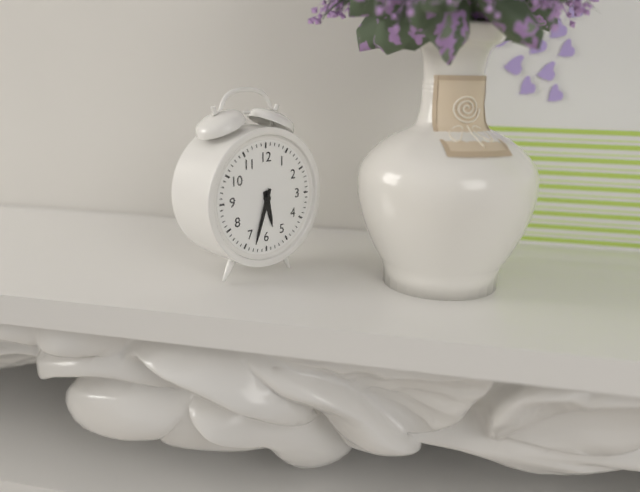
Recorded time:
{"hour": 5, "minute": 33}
